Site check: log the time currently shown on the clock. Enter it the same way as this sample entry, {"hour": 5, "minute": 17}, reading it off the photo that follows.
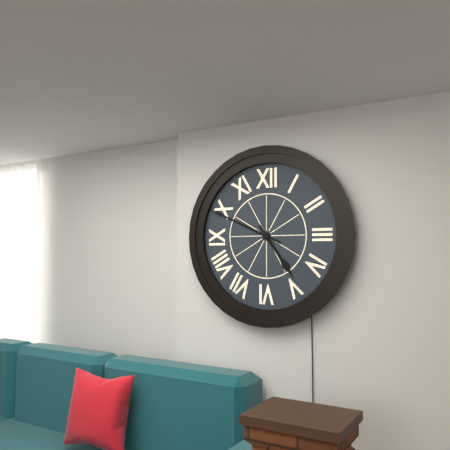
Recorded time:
{"hour": 4, "minute": 49}
